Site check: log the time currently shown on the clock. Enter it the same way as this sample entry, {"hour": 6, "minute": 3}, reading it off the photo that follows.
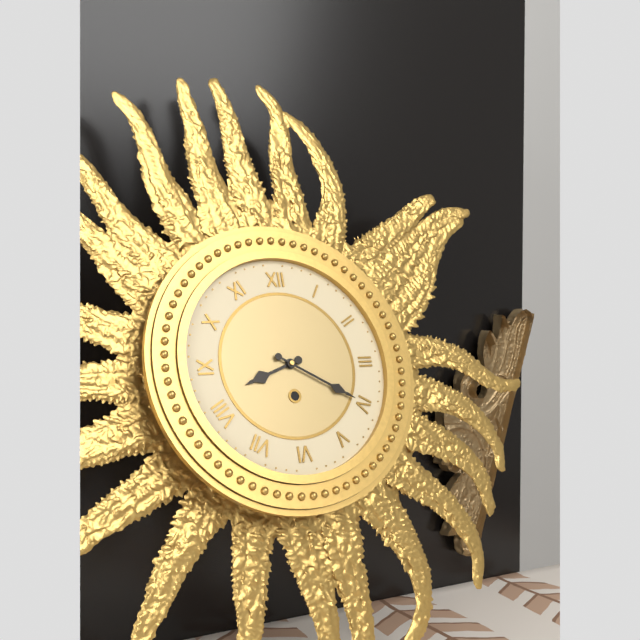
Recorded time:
{"hour": 8, "minute": 20}
